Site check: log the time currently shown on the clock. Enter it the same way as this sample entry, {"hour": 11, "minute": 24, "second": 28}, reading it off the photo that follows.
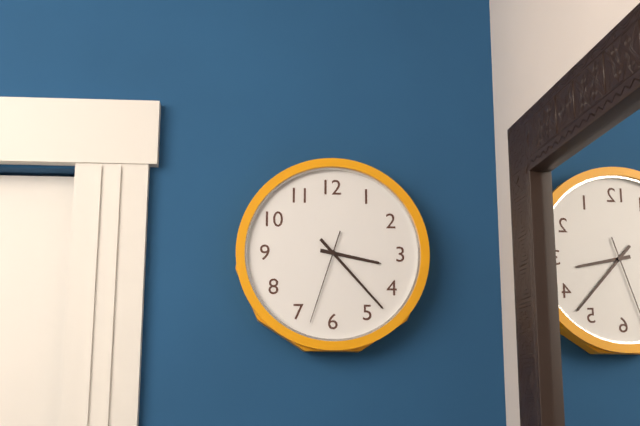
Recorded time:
{"hour": 3, "minute": 23, "second": 33}
